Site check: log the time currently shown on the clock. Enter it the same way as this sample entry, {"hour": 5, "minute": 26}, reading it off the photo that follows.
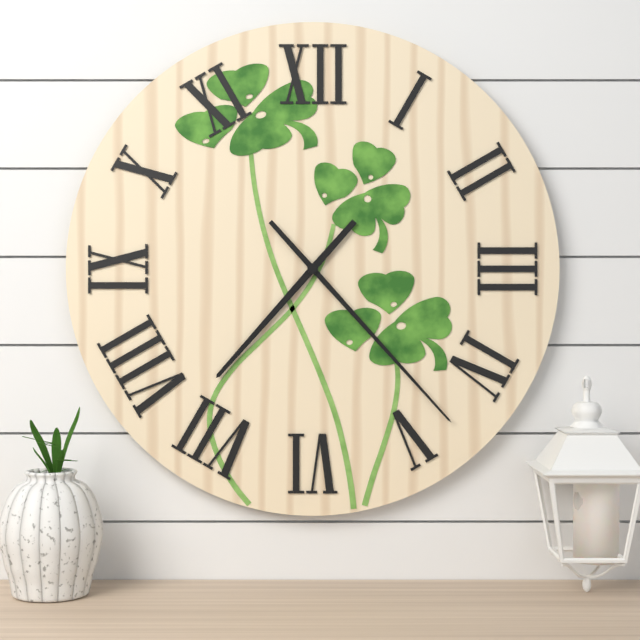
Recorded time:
{"hour": 7, "minute": 23}
